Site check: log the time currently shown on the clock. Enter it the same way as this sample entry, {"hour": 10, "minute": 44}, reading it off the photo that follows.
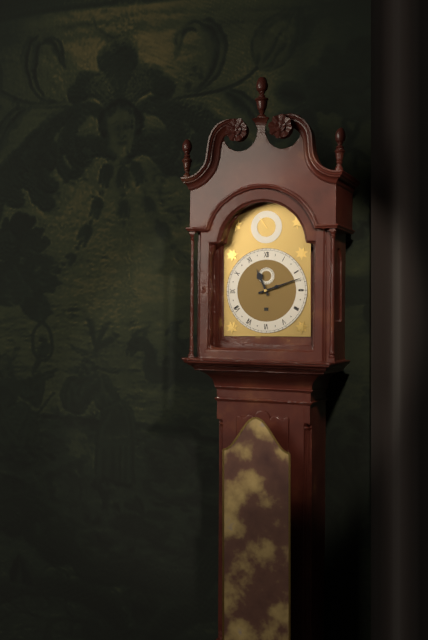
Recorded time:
{"hour": 11, "minute": 12}
